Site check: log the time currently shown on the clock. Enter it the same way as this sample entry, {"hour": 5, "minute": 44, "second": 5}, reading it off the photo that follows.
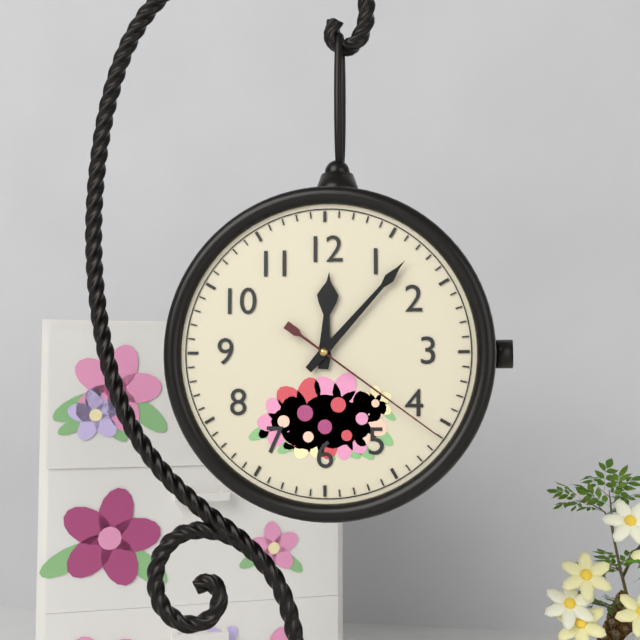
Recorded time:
{"hour": 12, "minute": 7, "second": 21}
